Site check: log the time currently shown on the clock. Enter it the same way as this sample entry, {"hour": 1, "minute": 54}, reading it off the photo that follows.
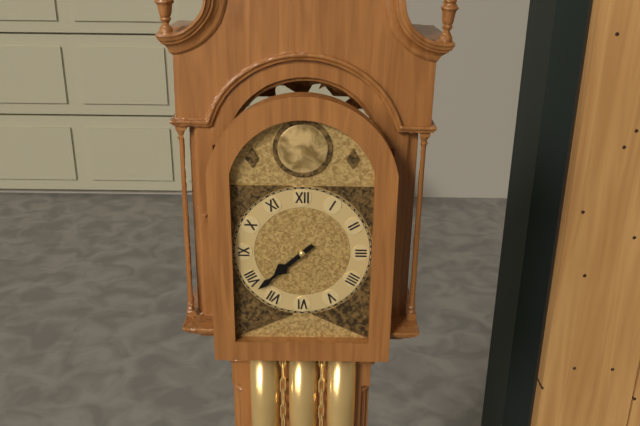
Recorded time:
{"hour": 7, "minute": 38}
